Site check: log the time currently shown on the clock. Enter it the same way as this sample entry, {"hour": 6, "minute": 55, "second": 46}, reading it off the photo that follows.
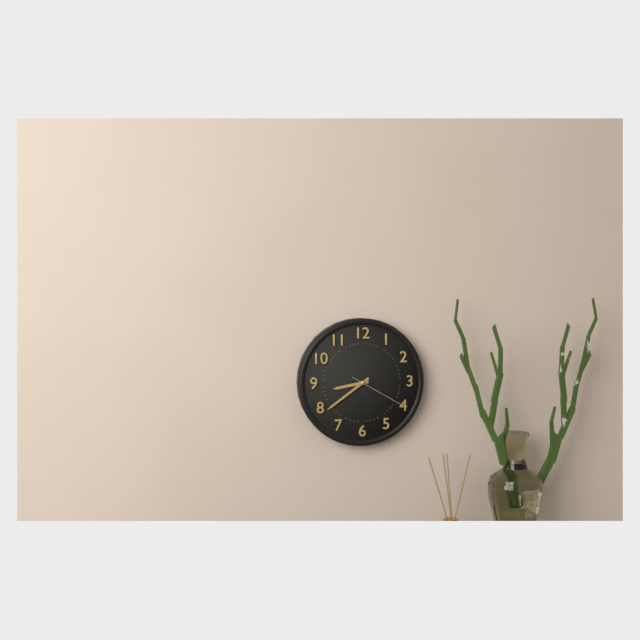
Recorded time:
{"hour": 8, "minute": 39, "second": 20}
